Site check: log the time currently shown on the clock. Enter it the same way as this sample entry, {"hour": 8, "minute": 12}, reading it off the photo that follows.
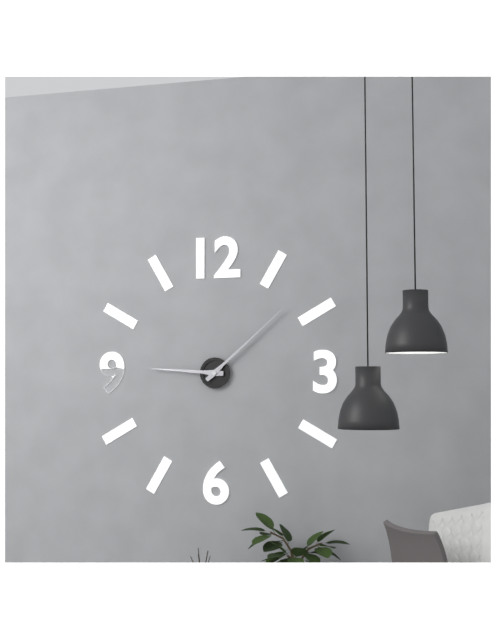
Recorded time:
{"hour": 9, "minute": 8}
